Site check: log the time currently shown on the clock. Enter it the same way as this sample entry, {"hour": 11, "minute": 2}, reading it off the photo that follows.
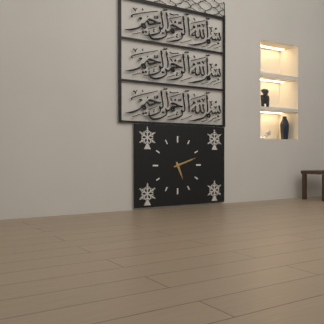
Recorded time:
{"hour": 5, "minute": 12}
